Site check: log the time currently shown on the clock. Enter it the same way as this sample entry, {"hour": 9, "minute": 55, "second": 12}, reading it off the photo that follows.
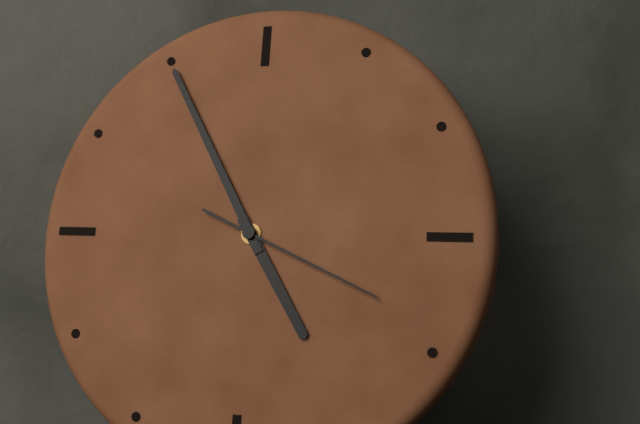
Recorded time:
{"hour": 4, "minute": 55, "second": 19}
